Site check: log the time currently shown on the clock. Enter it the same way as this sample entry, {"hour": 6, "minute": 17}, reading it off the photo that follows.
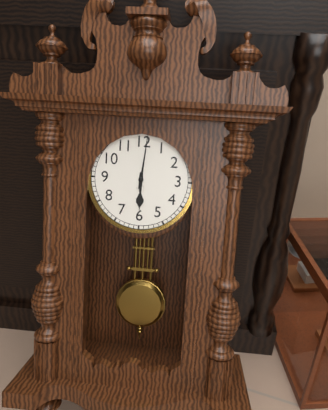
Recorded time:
{"hour": 6, "minute": 1}
